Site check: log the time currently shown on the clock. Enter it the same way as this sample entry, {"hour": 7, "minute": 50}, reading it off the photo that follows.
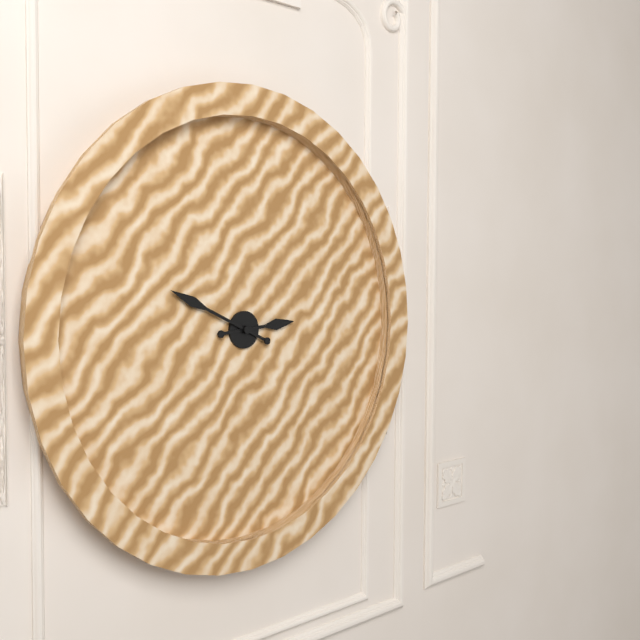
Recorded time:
{"hour": 2, "minute": 49}
